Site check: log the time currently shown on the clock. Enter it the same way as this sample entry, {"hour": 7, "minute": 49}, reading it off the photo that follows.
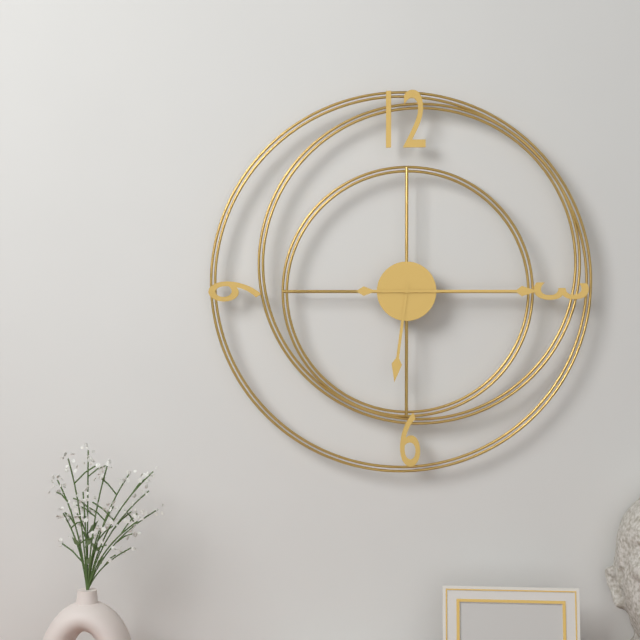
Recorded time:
{"hour": 6, "minute": 15}
